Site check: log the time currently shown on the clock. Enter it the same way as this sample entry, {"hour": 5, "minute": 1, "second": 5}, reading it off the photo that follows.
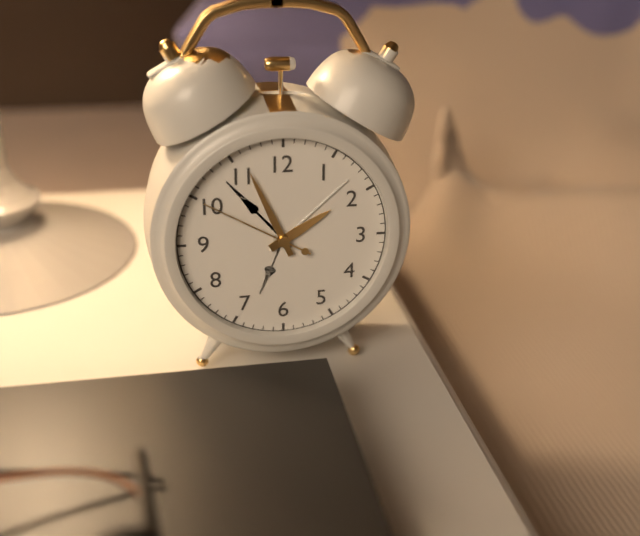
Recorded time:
{"hour": 1, "minute": 56, "second": 50}
